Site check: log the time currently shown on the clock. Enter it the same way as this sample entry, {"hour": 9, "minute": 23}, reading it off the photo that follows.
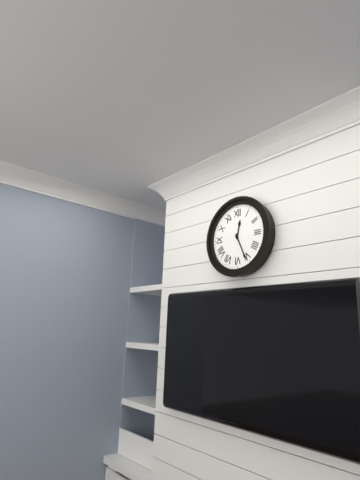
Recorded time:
{"hour": 12, "minute": 26}
